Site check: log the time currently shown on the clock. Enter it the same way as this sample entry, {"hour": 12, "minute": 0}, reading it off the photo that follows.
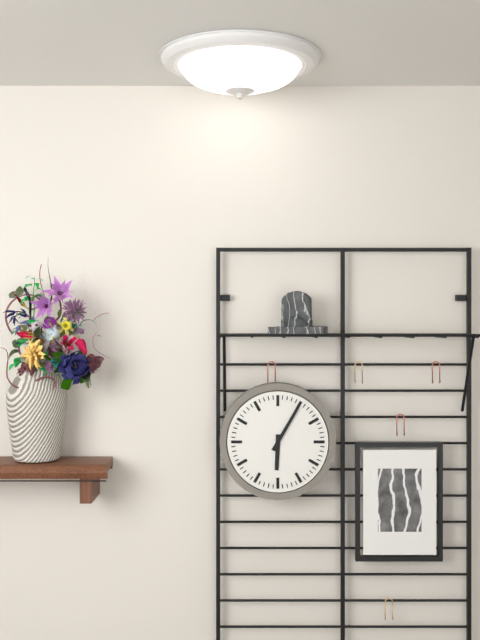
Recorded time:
{"hour": 6, "minute": 5}
